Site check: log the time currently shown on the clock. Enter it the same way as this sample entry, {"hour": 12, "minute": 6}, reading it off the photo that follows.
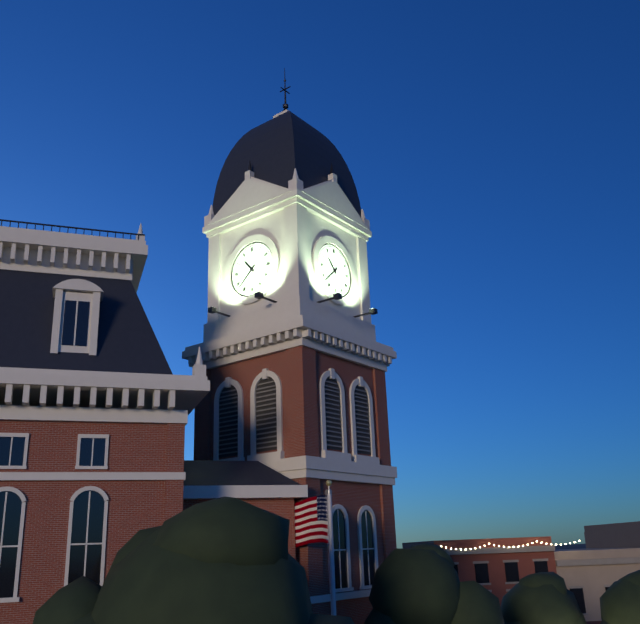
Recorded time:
{"hour": 10, "minute": 38}
